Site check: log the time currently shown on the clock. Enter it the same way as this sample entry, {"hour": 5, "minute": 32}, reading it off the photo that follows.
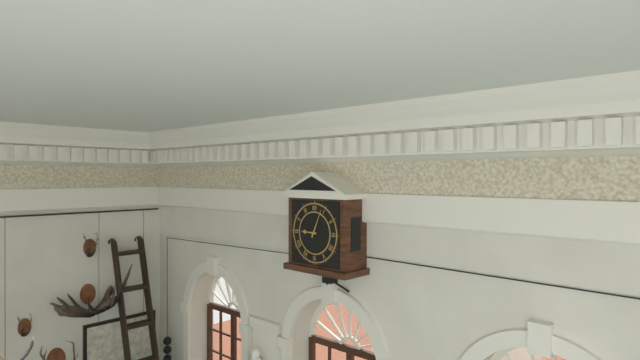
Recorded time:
{"hour": 9, "minute": 4}
